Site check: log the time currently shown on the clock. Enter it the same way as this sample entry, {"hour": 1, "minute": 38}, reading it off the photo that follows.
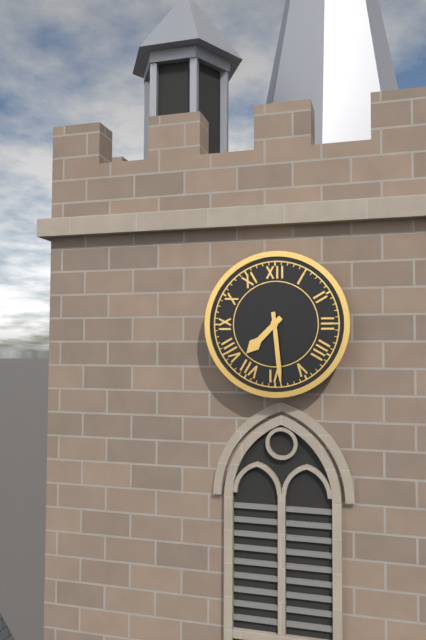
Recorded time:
{"hour": 7, "minute": 29}
